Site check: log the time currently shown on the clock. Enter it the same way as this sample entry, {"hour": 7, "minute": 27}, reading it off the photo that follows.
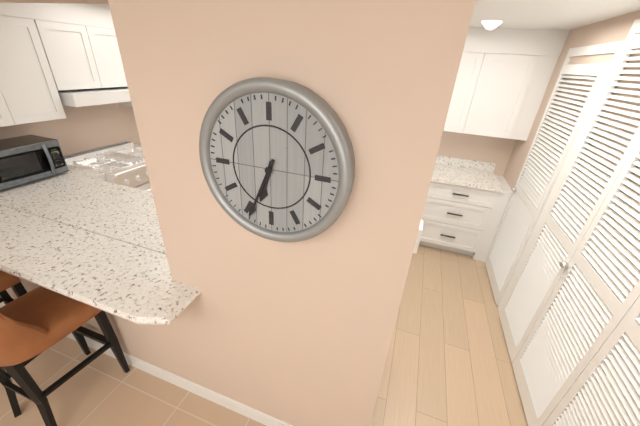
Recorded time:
{"hour": 6, "minute": 34}
